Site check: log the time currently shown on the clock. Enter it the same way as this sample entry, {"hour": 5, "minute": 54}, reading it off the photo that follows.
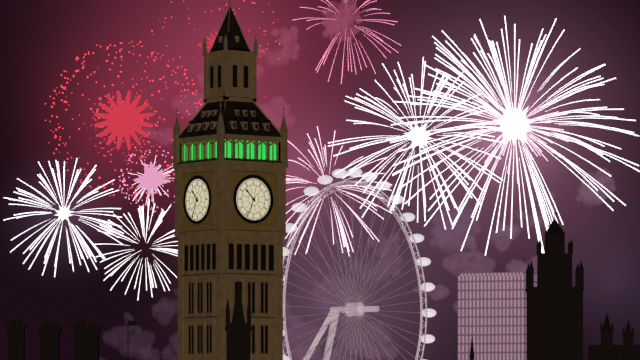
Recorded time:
{"hour": 10, "minute": 34}
